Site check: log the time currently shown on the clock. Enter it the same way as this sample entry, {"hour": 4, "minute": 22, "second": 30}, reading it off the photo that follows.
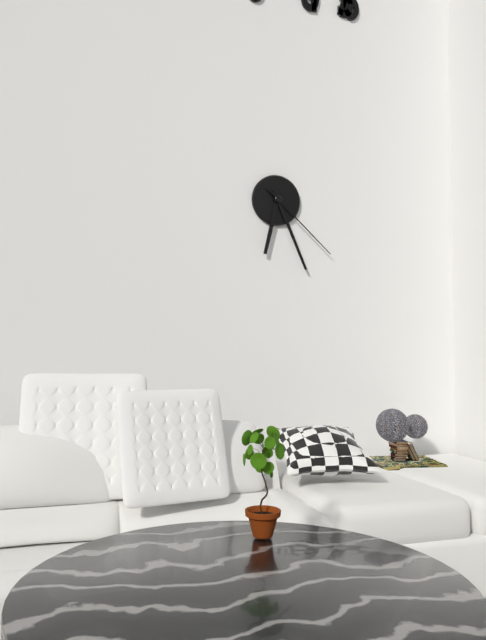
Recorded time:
{"hour": 6, "minute": 26, "second": 22}
